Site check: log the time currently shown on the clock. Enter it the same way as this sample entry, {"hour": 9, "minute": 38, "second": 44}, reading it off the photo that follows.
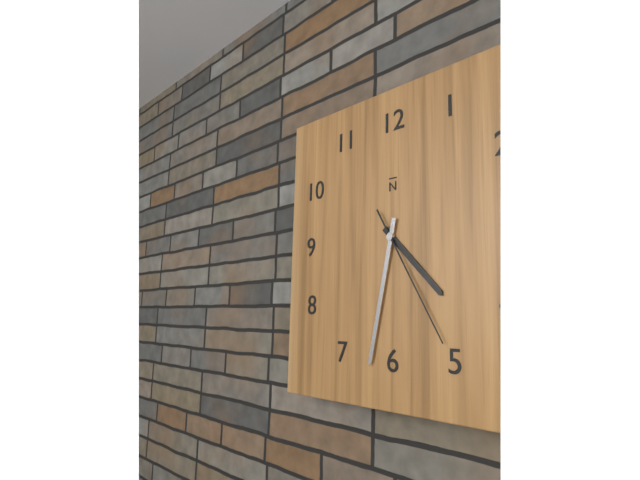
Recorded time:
{"hour": 4, "minute": 32, "second": 25}
